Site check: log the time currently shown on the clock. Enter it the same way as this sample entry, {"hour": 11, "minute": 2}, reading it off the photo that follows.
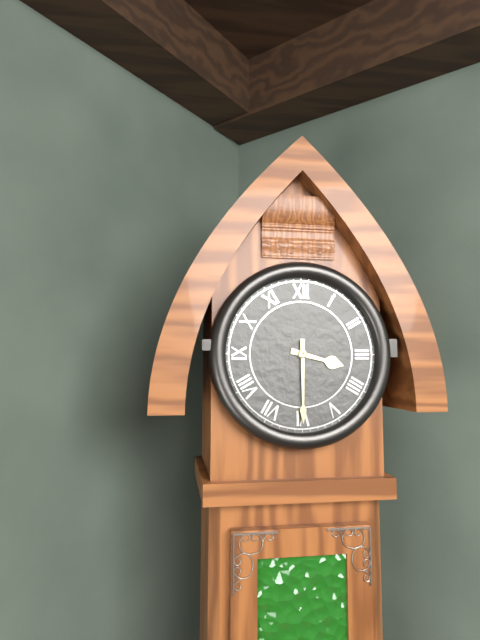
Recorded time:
{"hour": 3, "minute": 30}
